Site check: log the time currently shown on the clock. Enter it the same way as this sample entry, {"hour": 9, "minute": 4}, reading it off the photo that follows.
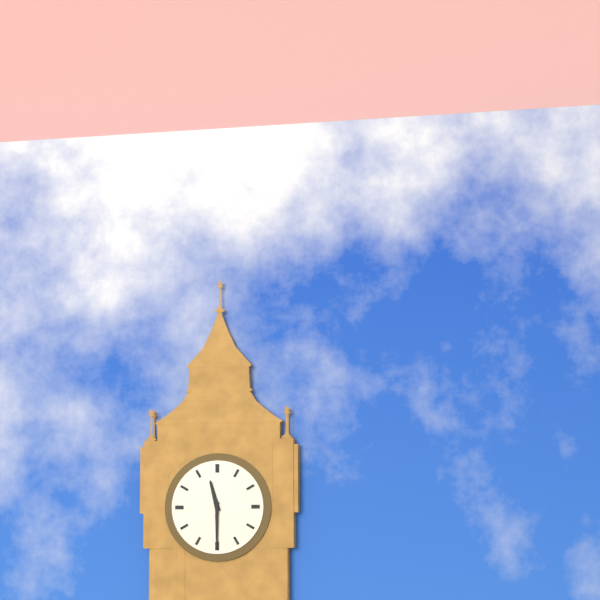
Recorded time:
{"hour": 11, "minute": 30}
